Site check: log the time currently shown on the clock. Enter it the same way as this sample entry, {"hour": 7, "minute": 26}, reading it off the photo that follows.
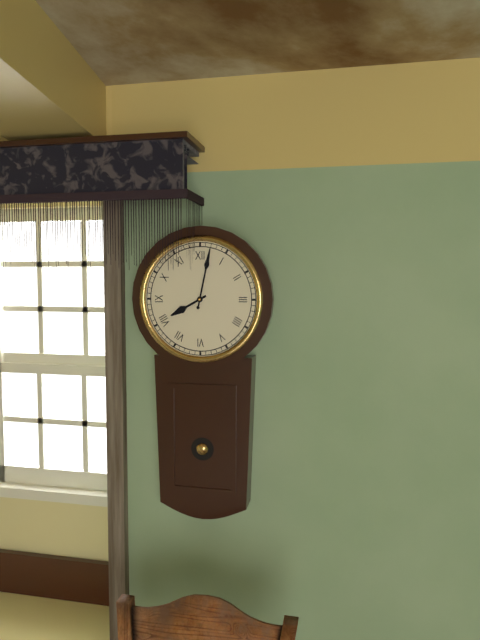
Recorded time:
{"hour": 8, "minute": 2}
